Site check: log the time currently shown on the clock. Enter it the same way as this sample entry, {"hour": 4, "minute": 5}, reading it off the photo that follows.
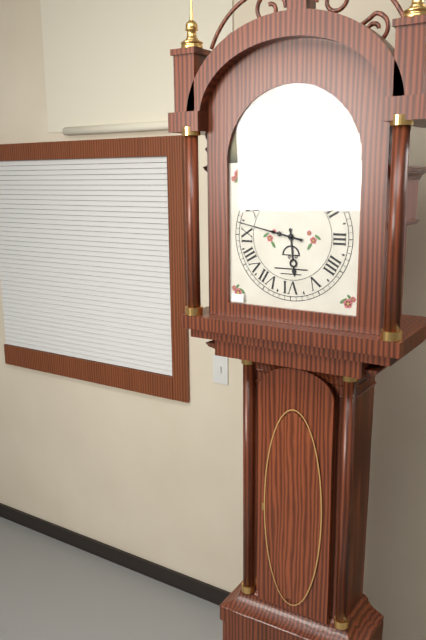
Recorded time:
{"hour": 5, "minute": 47}
